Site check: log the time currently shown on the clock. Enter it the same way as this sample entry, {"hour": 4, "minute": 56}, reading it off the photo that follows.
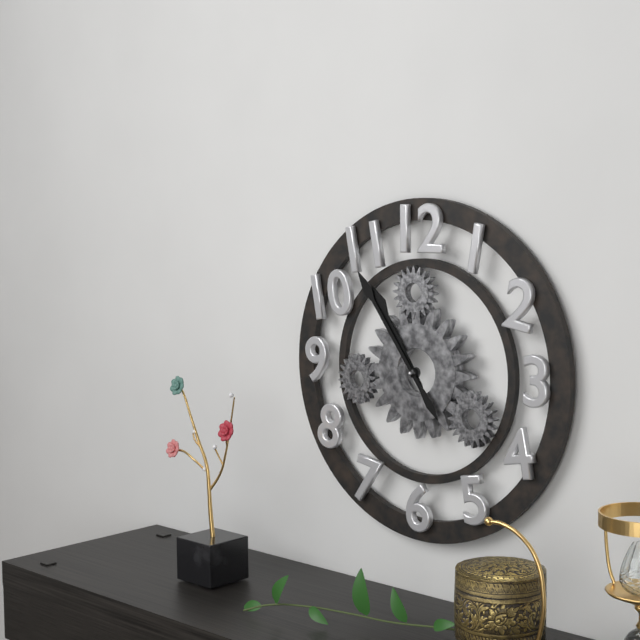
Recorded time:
{"hour": 10, "minute": 54}
